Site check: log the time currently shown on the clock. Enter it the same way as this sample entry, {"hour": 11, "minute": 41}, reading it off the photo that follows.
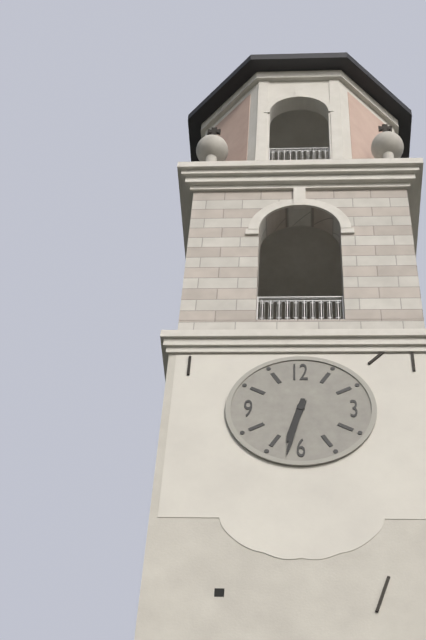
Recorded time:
{"hour": 6, "minute": 32}
